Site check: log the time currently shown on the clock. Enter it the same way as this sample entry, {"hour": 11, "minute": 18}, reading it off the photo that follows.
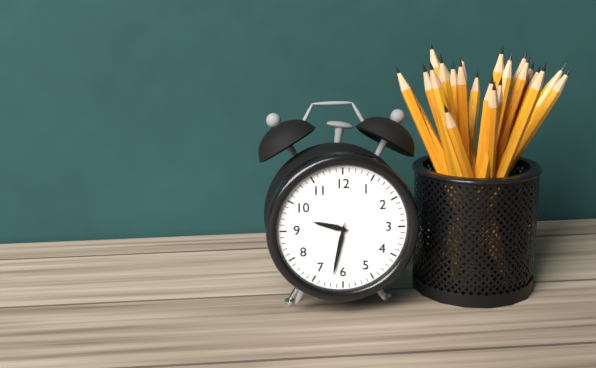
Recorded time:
{"hour": 9, "minute": 32}
